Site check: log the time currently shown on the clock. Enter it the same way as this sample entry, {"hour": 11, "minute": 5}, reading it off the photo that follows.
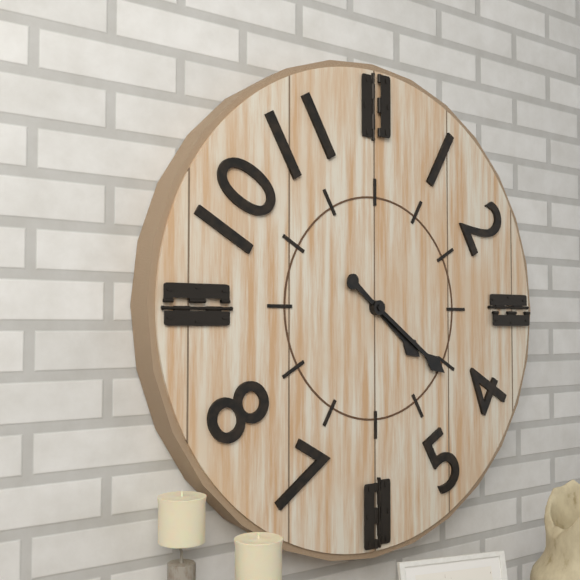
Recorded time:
{"hour": 4, "minute": 21}
